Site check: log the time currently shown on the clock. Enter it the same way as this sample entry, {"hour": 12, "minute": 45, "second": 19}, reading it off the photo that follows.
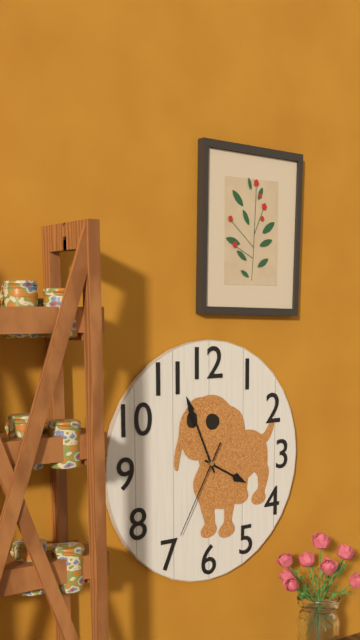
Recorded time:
{"hour": 3, "minute": 56, "second": 35}
